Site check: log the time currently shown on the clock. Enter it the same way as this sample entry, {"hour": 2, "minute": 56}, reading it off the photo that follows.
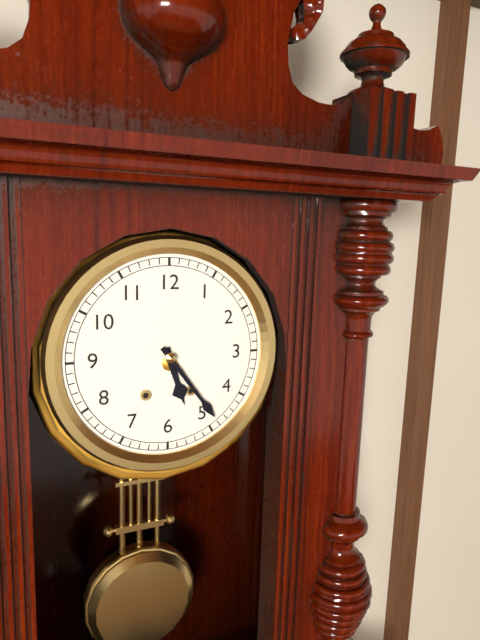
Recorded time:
{"hour": 5, "minute": 24}
